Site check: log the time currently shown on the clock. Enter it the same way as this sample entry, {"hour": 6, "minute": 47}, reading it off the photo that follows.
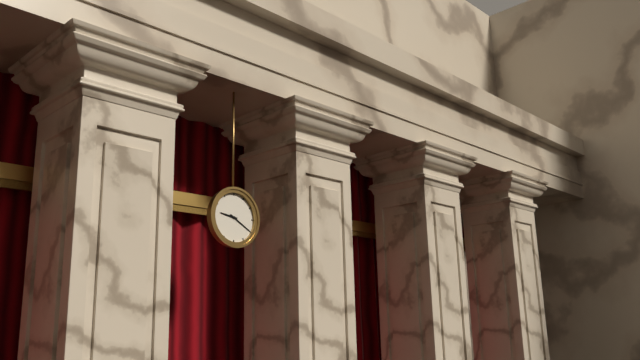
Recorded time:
{"hour": 9, "minute": 20}
